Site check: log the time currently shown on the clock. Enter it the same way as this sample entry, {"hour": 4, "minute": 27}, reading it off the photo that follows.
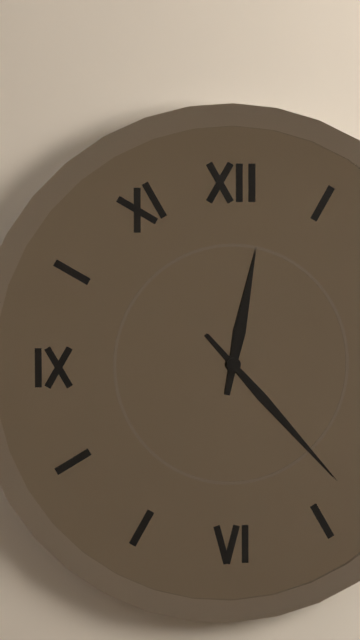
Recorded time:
{"hour": 12, "minute": 23}
